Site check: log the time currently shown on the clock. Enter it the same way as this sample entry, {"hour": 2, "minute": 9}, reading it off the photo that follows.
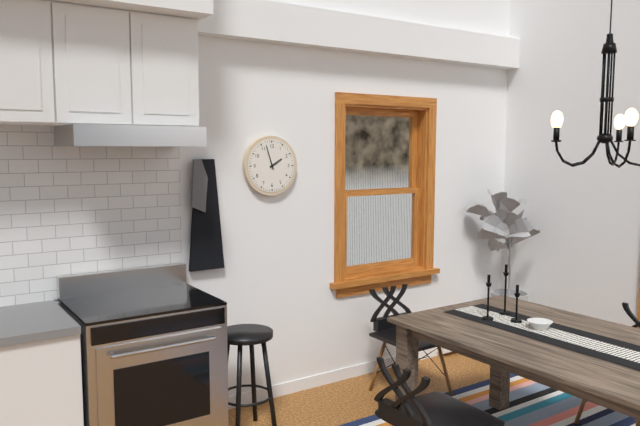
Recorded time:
{"hour": 1, "minute": 57}
